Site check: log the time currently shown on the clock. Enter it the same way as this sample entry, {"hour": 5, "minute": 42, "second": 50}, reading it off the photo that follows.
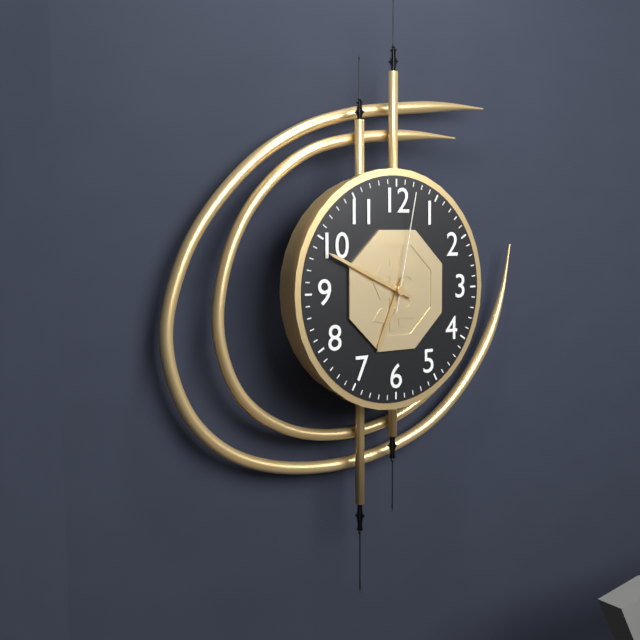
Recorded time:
{"hour": 6, "minute": 49, "second": 2}
